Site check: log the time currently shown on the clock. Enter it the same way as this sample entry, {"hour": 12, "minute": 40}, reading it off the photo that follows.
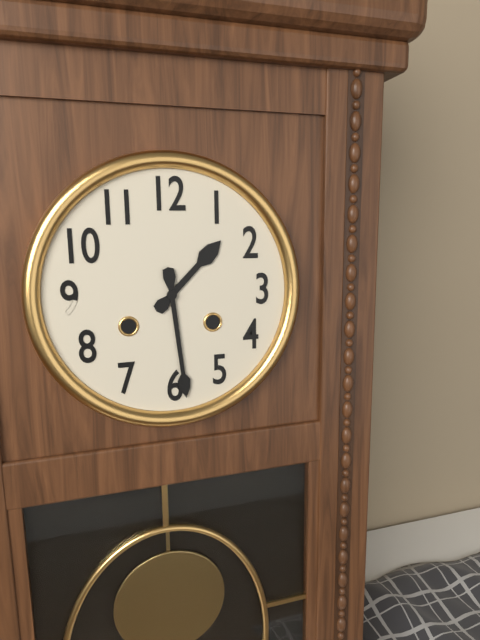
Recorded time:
{"hour": 1, "minute": 29}
